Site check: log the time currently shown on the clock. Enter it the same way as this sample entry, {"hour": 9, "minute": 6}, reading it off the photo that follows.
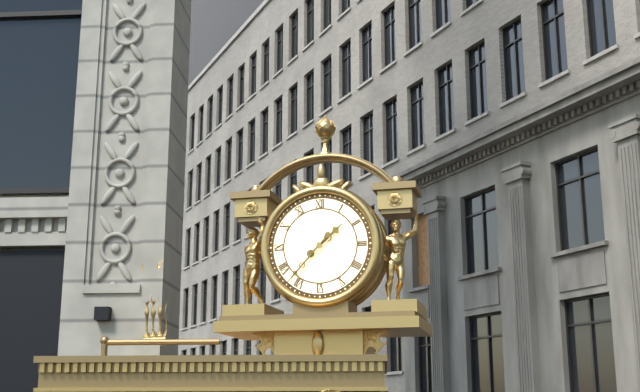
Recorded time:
{"hour": 1, "minute": 37}
